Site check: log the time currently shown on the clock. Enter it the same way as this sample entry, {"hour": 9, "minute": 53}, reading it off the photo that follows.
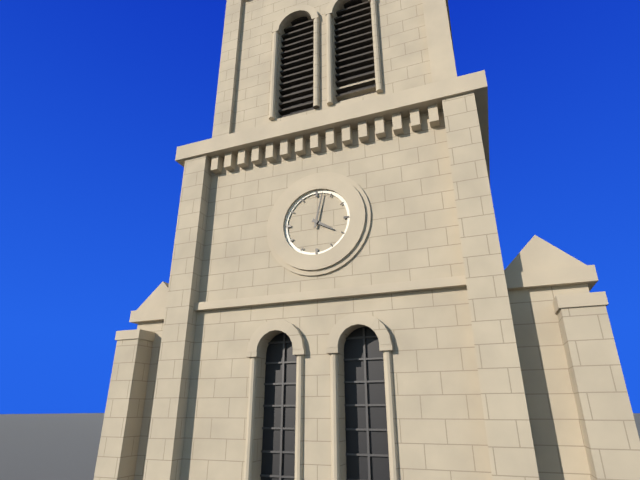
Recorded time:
{"hour": 4, "minute": 2}
